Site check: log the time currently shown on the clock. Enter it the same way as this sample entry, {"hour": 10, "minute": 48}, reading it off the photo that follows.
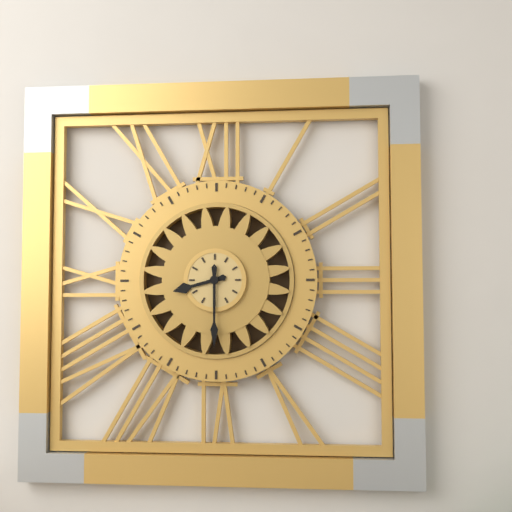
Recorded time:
{"hour": 8, "minute": 30}
